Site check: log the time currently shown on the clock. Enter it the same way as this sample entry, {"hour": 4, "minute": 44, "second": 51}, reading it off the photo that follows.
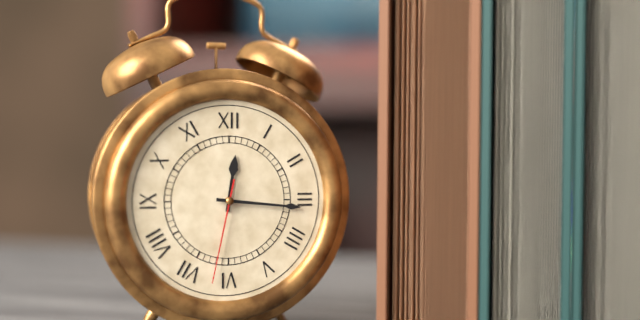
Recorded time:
{"hour": 12, "minute": 16, "second": 32}
